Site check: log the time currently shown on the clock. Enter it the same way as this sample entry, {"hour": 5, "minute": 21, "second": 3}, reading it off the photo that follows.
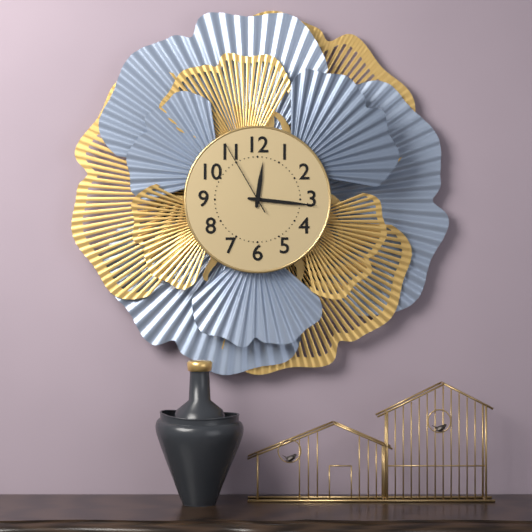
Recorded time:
{"hour": 12, "minute": 16, "second": 55}
